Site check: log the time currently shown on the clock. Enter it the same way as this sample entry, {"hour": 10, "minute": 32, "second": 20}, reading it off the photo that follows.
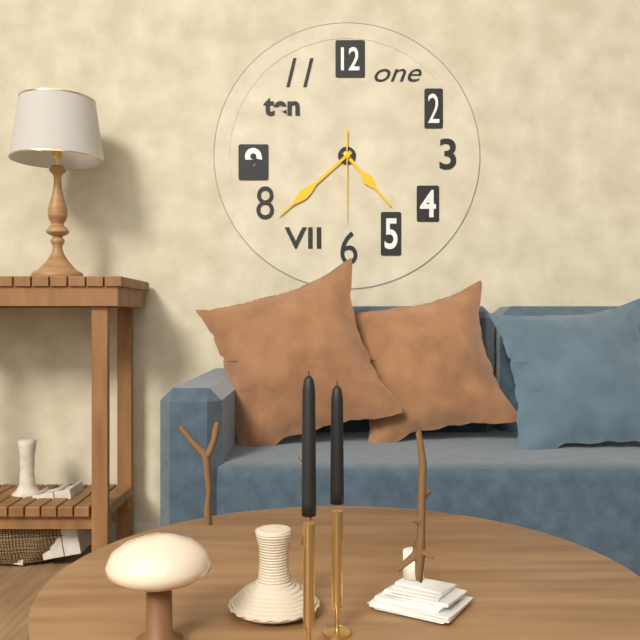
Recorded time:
{"hour": 4, "minute": 38, "second": 30}
